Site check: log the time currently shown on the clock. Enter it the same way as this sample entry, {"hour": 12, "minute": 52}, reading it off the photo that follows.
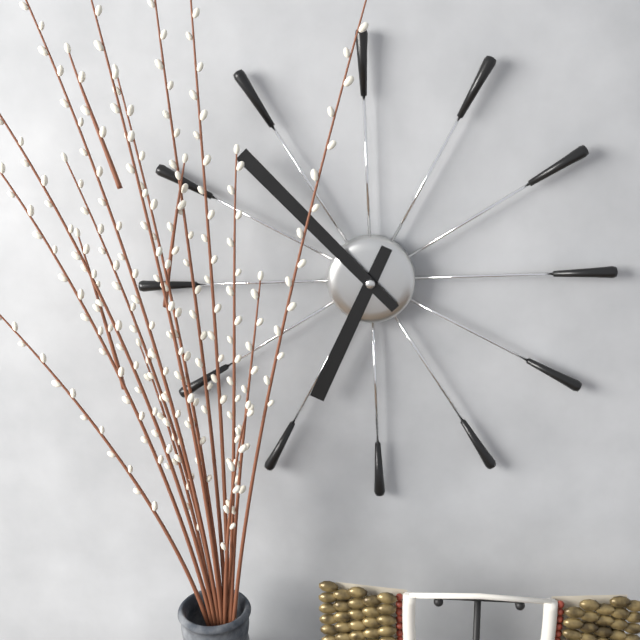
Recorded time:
{"hour": 6, "minute": 53}
